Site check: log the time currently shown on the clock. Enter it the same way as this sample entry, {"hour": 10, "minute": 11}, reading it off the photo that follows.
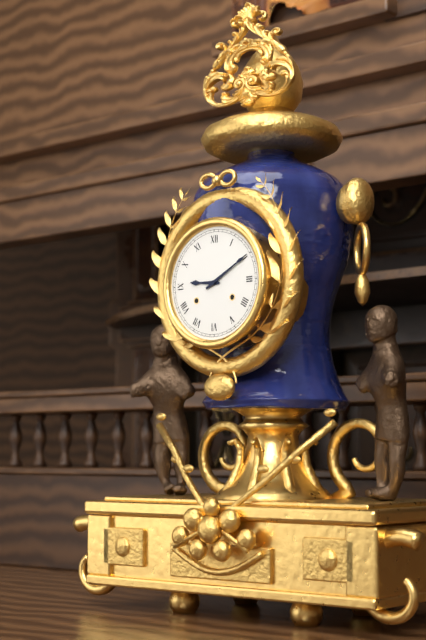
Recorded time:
{"hour": 9, "minute": 10}
